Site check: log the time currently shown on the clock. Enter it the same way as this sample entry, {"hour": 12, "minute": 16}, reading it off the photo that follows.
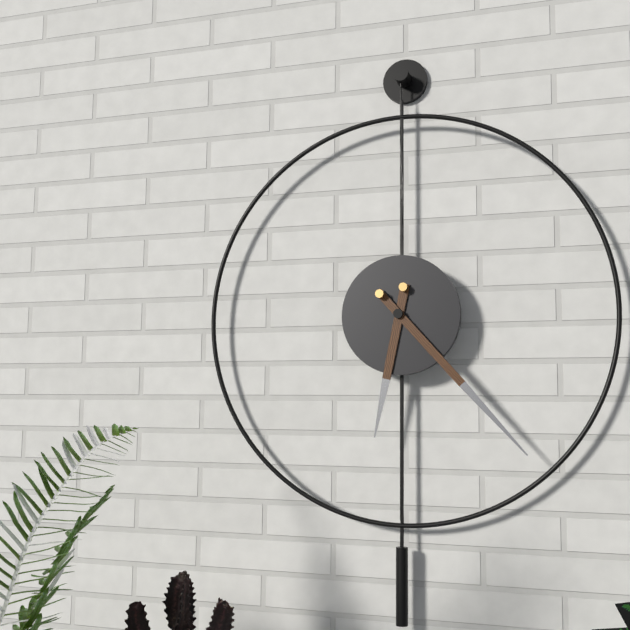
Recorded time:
{"hour": 6, "minute": 23}
